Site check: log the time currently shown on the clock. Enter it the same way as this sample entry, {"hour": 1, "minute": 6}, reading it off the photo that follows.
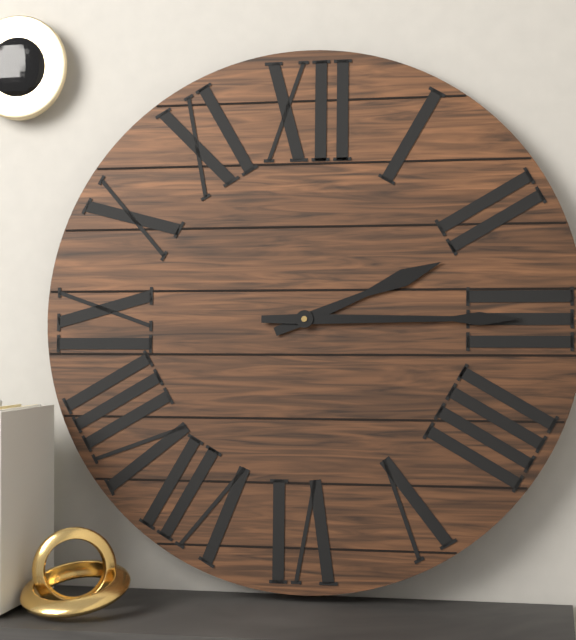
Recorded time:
{"hour": 2, "minute": 15}
